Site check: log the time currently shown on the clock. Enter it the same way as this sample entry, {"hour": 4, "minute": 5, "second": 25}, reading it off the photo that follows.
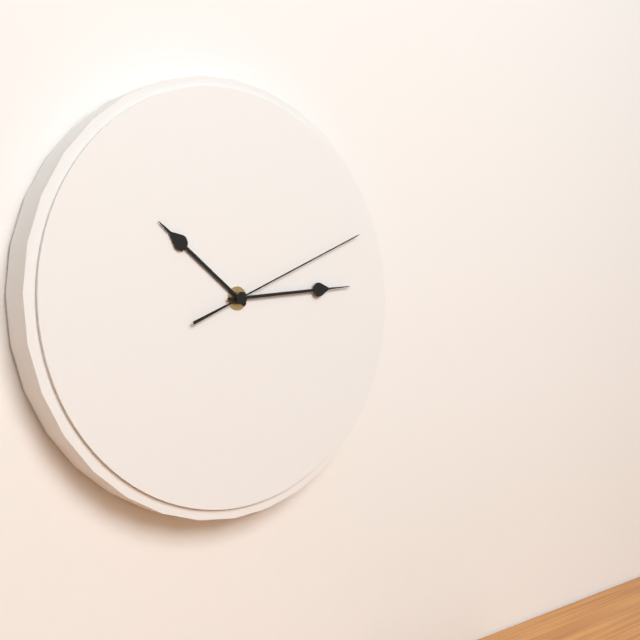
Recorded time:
{"hour": 10, "minute": 14, "second": 11}
